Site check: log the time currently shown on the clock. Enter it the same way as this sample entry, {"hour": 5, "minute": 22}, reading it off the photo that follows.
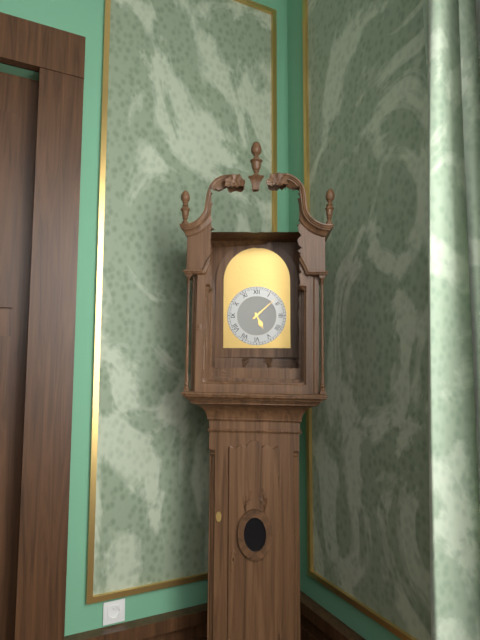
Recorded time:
{"hour": 5, "minute": 8}
